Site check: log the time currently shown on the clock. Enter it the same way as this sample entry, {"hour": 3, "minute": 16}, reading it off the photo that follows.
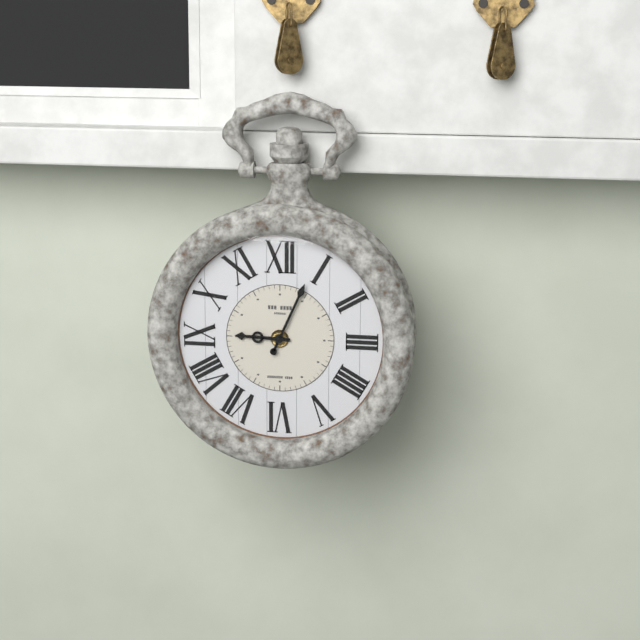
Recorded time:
{"hour": 9, "minute": 4}
